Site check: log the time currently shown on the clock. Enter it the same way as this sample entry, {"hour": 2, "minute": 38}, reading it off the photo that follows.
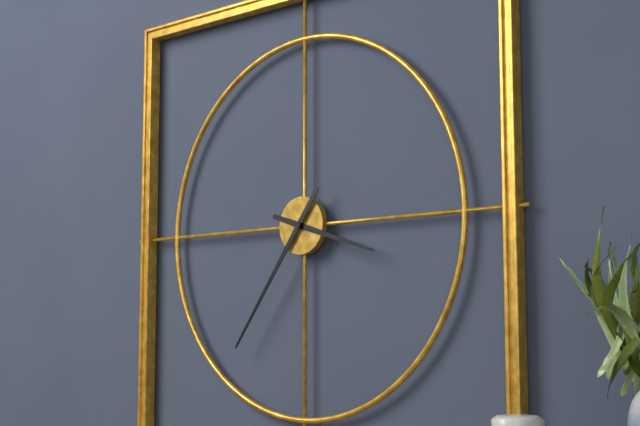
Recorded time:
{"hour": 3, "minute": 36}
